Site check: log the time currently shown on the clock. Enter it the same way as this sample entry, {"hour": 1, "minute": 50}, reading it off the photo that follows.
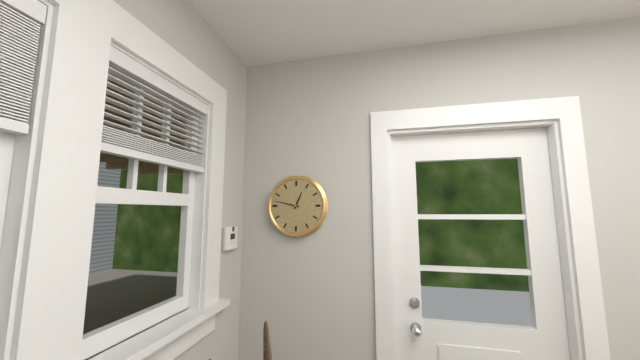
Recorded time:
{"hour": 12, "minute": 47}
